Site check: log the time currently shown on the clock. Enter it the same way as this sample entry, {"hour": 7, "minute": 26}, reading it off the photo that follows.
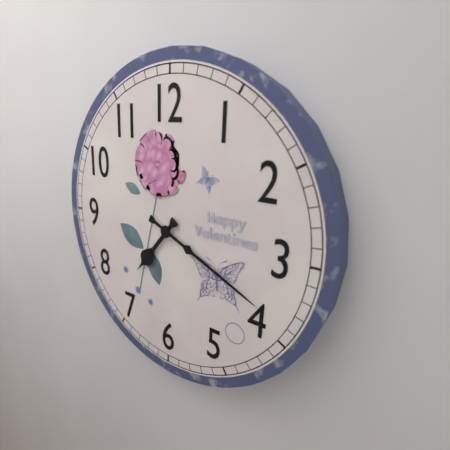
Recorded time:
{"hour": 7, "minute": 19}
